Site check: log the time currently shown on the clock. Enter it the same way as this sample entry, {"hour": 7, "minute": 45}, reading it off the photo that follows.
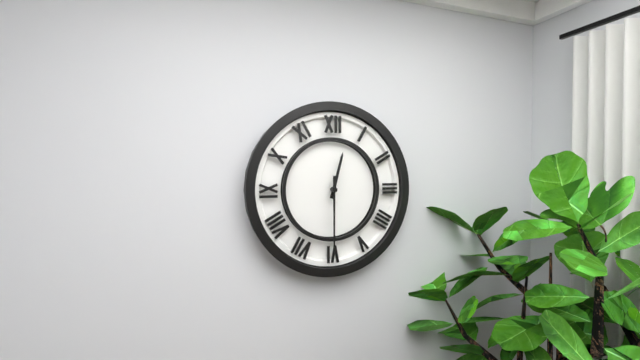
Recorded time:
{"hour": 12, "minute": 30}
